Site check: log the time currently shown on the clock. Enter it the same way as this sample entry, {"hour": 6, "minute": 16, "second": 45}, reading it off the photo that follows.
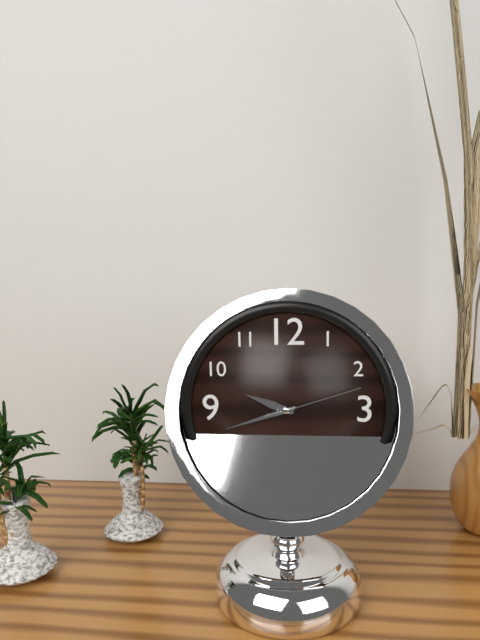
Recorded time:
{"hour": 9, "minute": 42, "second": 12}
